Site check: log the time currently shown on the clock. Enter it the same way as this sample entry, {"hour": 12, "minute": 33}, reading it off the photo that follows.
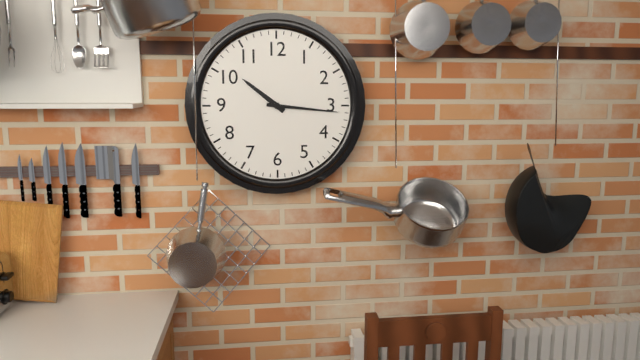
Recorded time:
{"hour": 10, "minute": 16}
